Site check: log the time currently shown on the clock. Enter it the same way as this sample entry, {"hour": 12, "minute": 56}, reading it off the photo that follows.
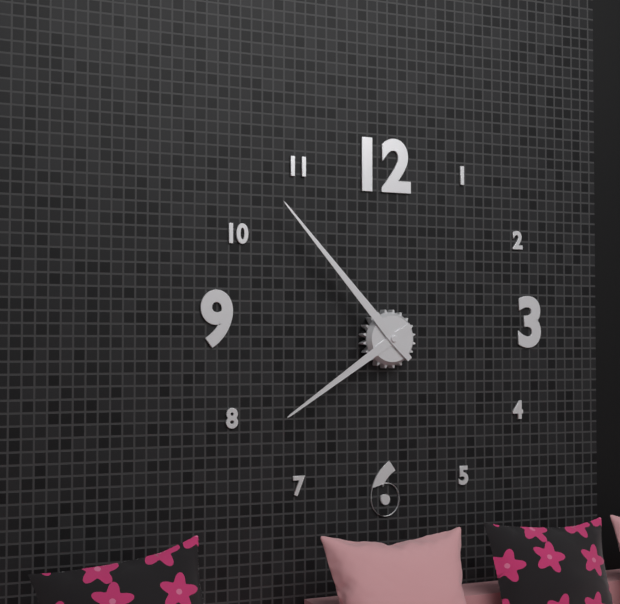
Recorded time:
{"hour": 7, "minute": 53}
